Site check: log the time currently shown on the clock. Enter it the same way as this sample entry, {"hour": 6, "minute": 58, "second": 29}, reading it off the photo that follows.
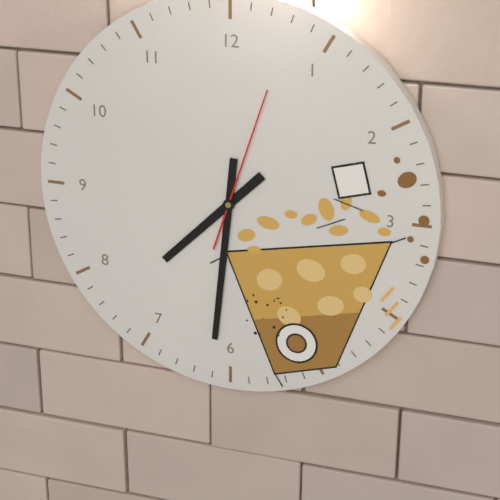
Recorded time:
{"hour": 7, "minute": 31, "second": 3}
